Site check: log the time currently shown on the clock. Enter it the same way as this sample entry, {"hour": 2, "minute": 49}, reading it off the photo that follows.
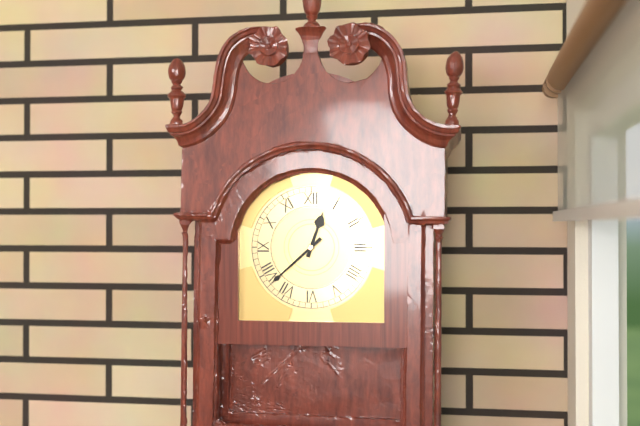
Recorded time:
{"hour": 12, "minute": 38}
